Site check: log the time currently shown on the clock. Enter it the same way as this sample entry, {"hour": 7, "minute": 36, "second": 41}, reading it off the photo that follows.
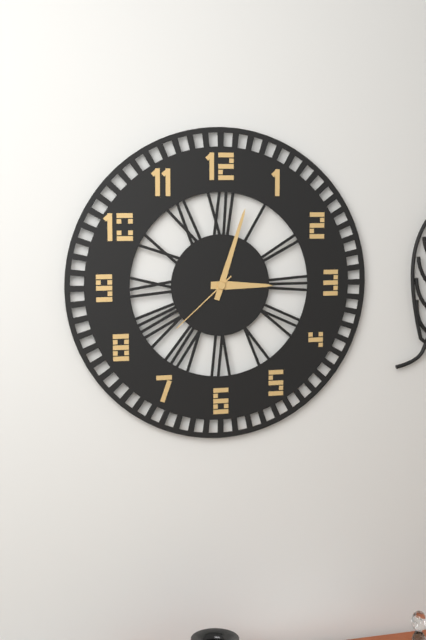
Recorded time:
{"hour": 3, "minute": 3, "second": 38}
